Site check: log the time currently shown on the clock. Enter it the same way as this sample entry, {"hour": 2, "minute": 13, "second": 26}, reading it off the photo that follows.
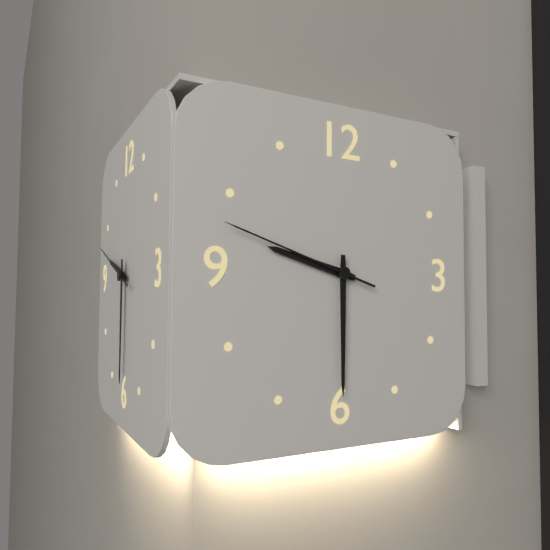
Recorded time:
{"hour": 9, "minute": 30, "second": 48}
